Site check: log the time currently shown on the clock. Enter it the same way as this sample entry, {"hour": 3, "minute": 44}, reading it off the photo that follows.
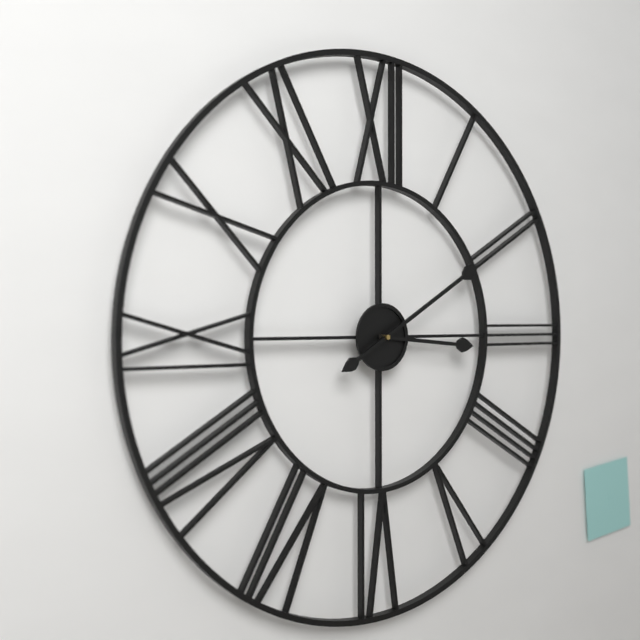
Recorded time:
{"hour": 3, "minute": 10}
